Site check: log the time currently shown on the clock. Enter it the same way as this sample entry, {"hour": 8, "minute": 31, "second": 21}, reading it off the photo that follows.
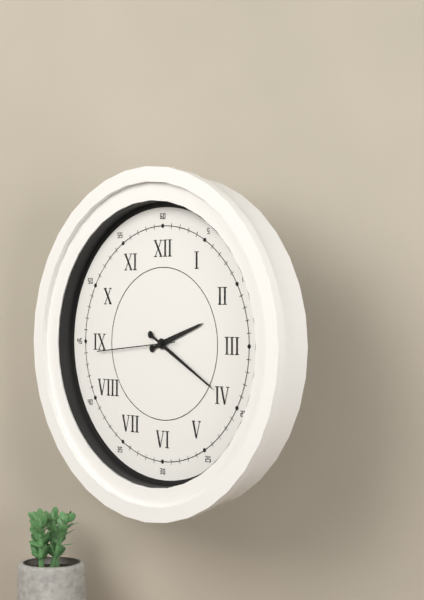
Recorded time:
{"hour": 2, "minute": 20, "second": 44}
